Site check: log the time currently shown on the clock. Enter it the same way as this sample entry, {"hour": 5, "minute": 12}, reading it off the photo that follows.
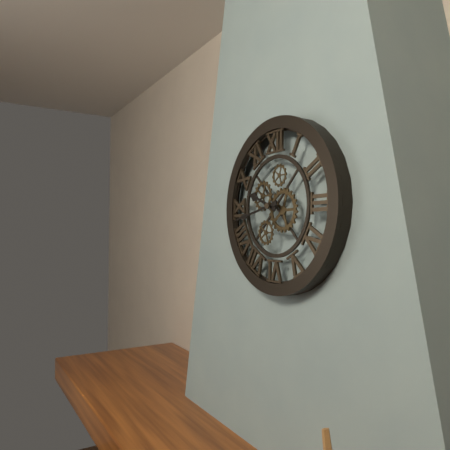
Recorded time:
{"hour": 9, "minute": 43}
